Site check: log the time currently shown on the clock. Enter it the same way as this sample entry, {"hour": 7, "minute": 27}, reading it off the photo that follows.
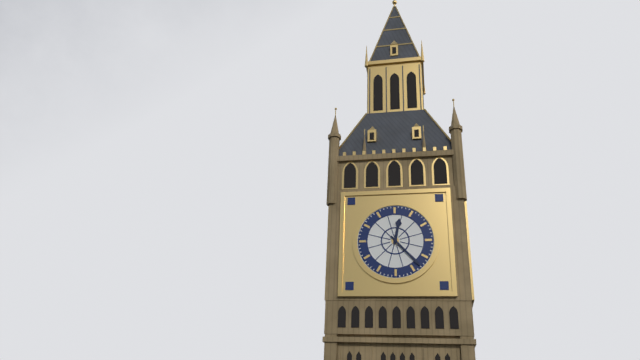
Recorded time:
{"hour": 12, "minute": 23}
